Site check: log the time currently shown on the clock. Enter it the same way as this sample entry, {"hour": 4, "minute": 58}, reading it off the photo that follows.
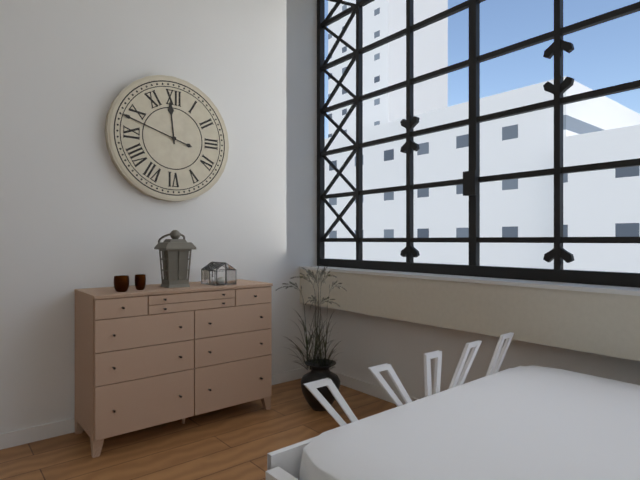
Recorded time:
{"hour": 11, "minute": 48}
